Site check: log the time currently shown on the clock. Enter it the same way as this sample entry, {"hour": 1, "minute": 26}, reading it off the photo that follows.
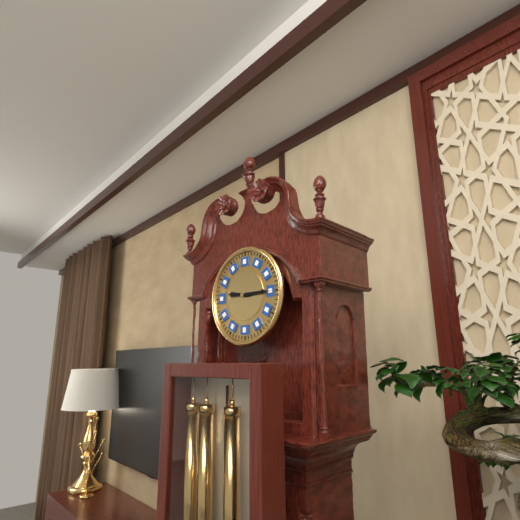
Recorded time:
{"hour": 9, "minute": 15}
